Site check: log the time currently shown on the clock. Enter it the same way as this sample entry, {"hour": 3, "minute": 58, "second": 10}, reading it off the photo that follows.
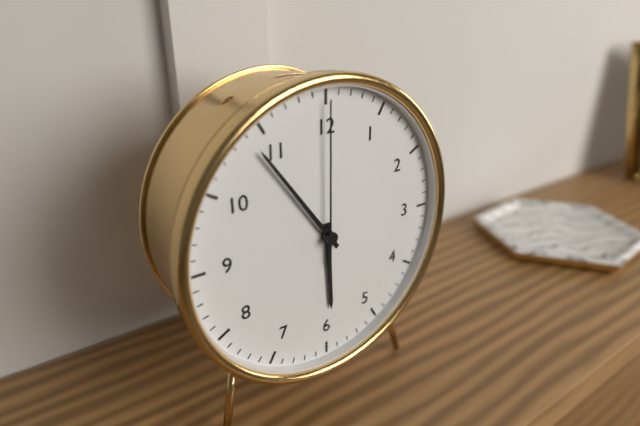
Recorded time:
{"hour": 5, "minute": 54, "second": 0}
